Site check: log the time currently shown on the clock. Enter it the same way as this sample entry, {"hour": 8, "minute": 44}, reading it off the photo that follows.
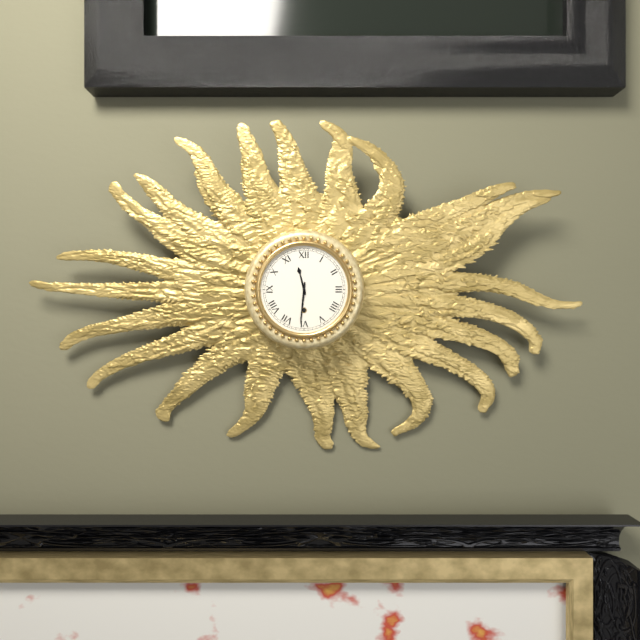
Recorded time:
{"hour": 11, "minute": 31}
